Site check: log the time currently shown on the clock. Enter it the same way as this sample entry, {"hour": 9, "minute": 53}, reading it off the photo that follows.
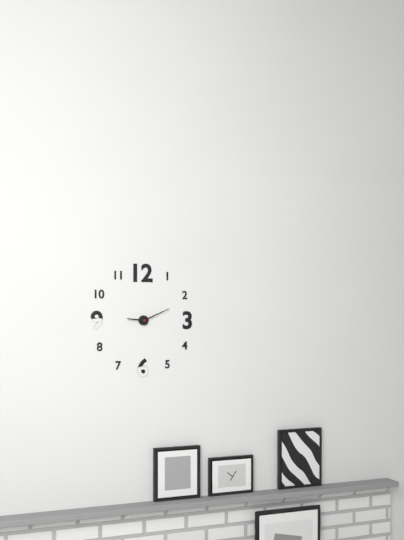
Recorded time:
{"hour": 9, "minute": 11}
